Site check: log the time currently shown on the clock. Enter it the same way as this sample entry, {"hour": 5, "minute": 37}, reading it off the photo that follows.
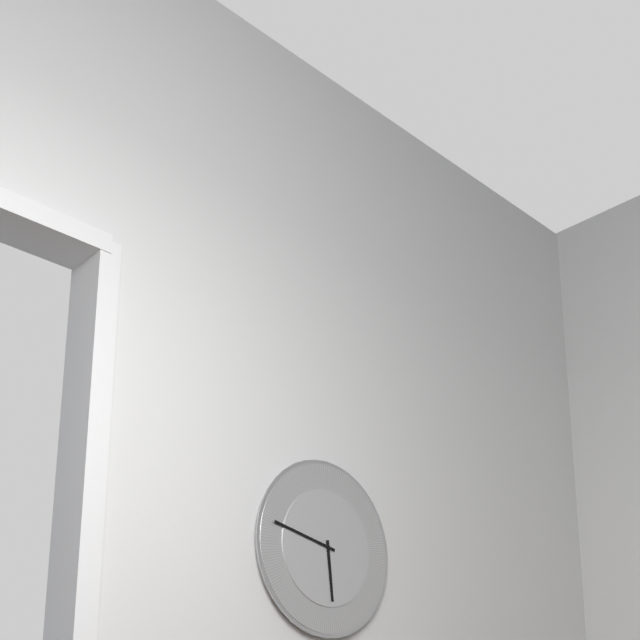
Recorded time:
{"hour": 5, "minute": 47}
